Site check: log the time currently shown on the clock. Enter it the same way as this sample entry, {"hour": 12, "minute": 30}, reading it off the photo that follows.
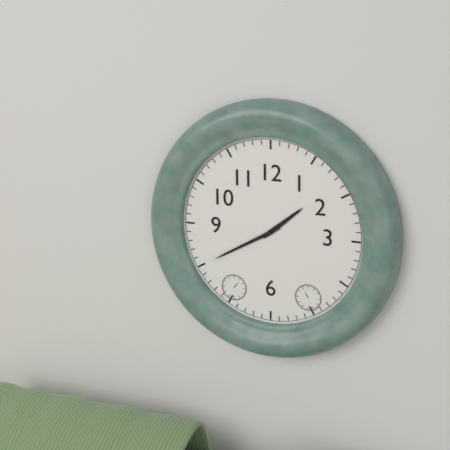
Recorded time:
{"hour": 1, "minute": 40}
